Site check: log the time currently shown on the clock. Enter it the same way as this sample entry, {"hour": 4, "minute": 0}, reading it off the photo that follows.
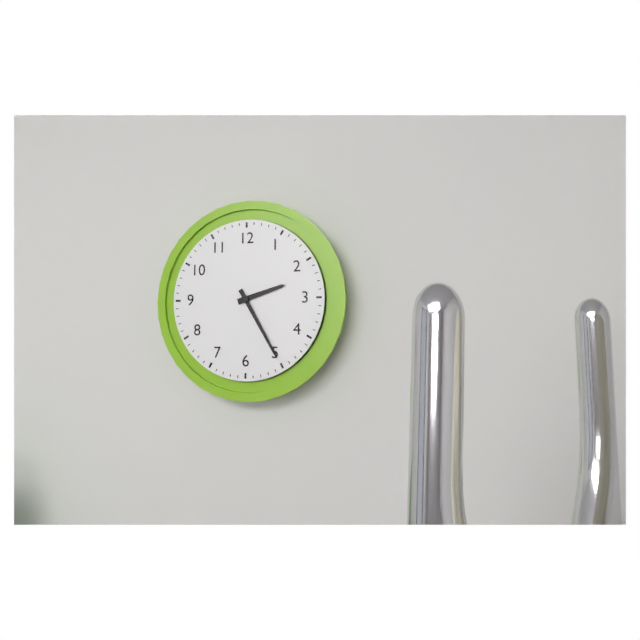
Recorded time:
{"hour": 2, "minute": 25}
